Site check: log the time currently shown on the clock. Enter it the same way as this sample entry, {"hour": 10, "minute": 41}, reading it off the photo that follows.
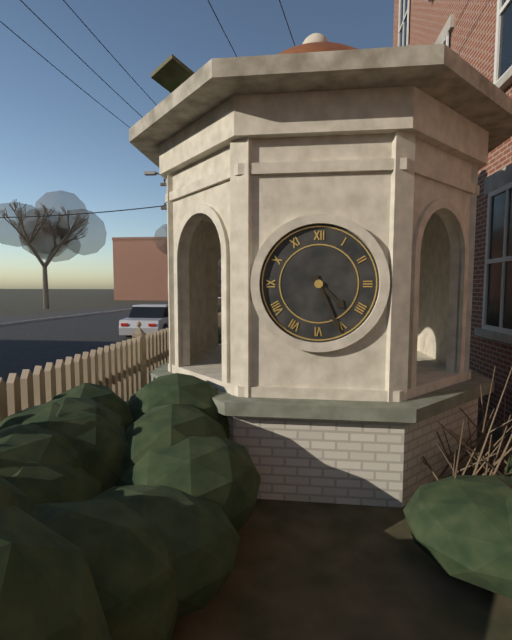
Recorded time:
{"hour": 4, "minute": 26}
